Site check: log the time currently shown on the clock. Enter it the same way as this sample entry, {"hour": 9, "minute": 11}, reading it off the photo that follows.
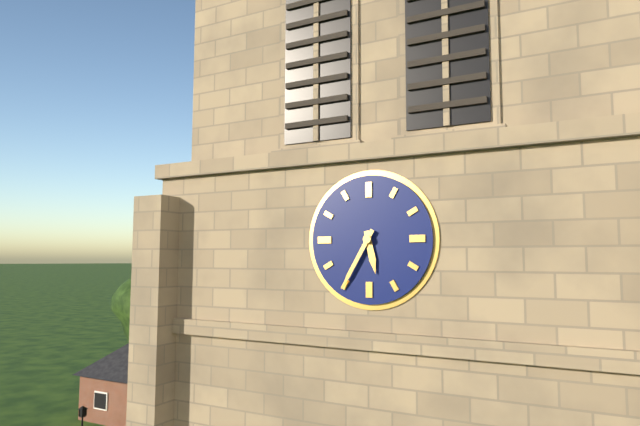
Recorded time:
{"hour": 5, "minute": 35}
